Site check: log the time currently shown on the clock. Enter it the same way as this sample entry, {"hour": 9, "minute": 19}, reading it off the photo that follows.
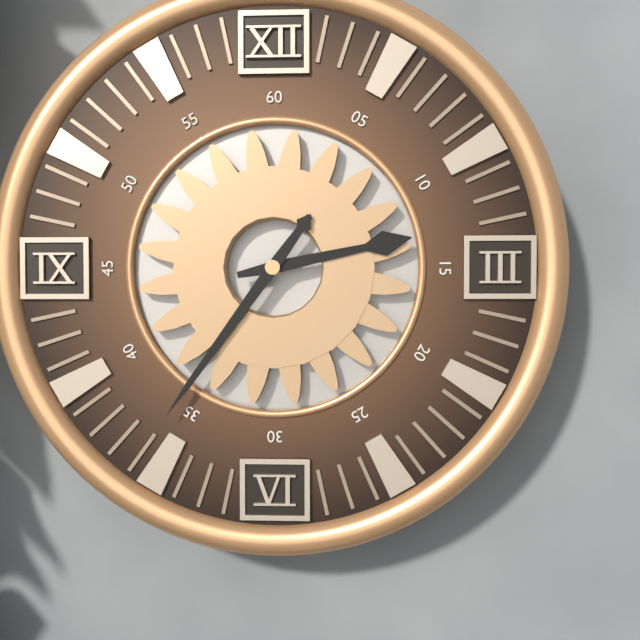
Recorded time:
{"hour": 2, "minute": 36}
